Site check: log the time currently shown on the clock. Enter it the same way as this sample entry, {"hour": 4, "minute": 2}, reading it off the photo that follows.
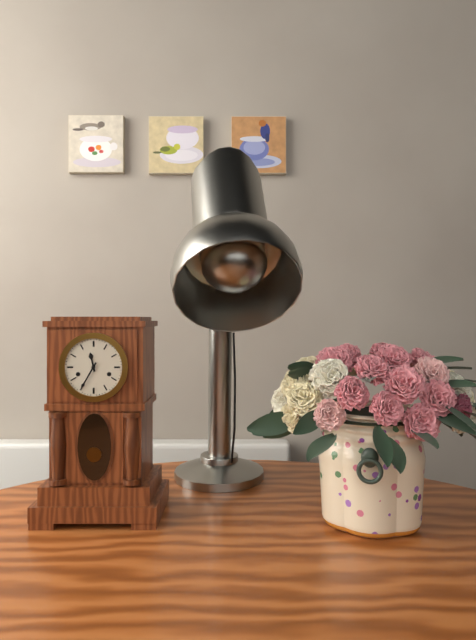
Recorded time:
{"hour": 11, "minute": 35}
